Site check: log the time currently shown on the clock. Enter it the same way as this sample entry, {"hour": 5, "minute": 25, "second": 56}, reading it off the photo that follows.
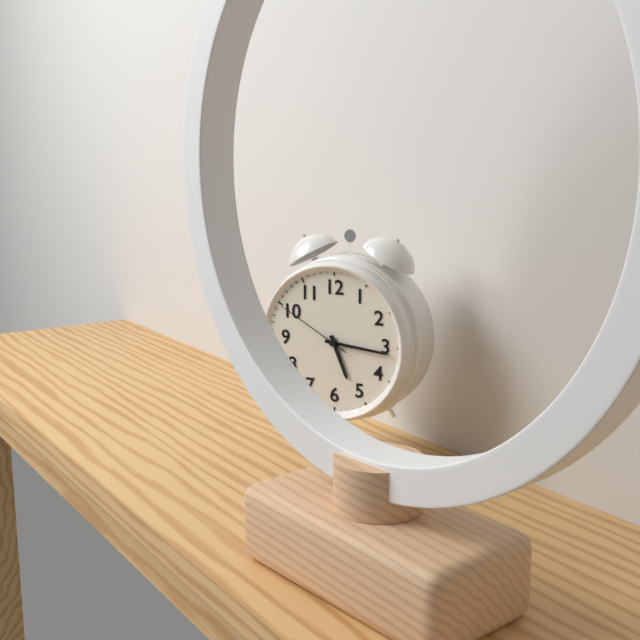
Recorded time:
{"hour": 5, "minute": 16, "second": 50}
